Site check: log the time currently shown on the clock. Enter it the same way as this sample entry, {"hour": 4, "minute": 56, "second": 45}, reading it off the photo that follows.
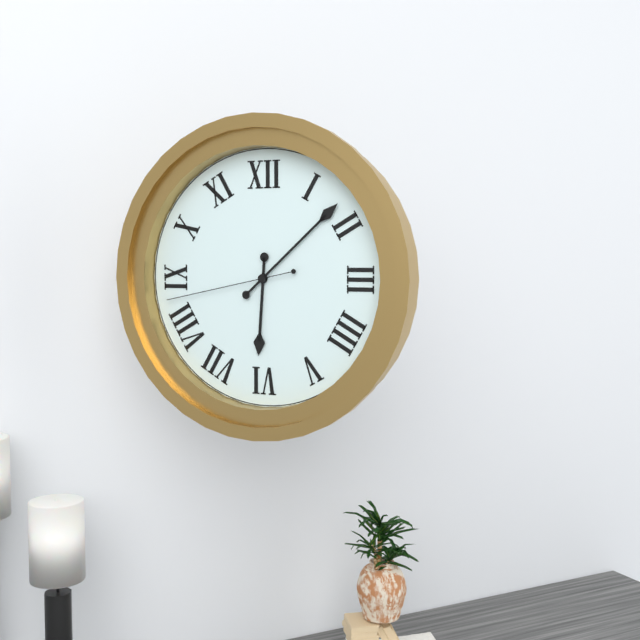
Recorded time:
{"hour": 6, "minute": 8, "second": 43}
